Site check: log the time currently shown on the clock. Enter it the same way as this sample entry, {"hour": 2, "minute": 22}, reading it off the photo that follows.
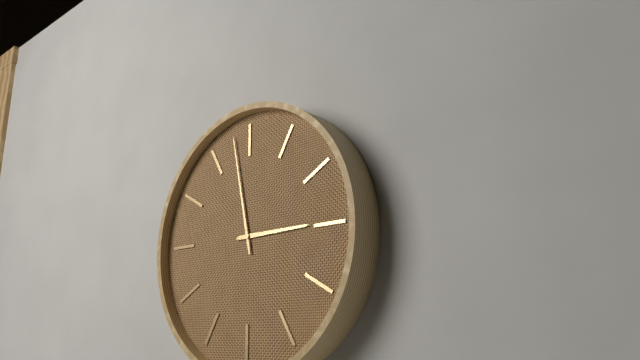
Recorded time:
{"hour": 2, "minute": 58}
